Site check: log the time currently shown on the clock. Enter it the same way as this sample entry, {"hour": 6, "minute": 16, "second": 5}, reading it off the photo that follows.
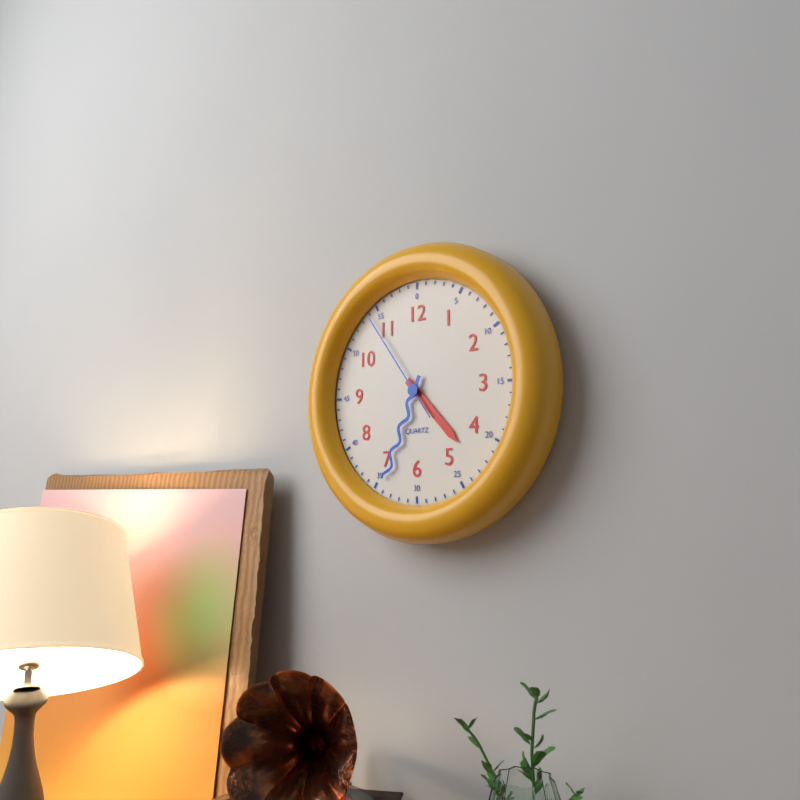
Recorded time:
{"hour": 4, "minute": 34, "second": 54}
